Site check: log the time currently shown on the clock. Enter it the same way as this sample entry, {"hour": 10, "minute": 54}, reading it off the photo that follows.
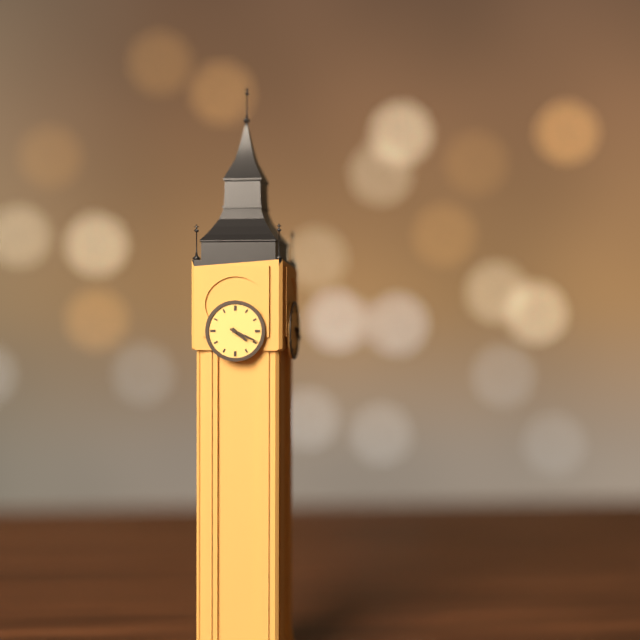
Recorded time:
{"hour": 4, "minute": 19}
